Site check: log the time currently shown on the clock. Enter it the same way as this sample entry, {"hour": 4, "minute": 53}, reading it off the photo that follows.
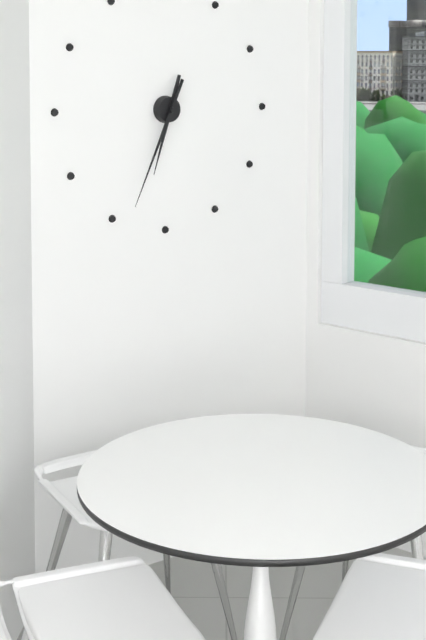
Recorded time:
{"hour": 6, "minute": 34}
